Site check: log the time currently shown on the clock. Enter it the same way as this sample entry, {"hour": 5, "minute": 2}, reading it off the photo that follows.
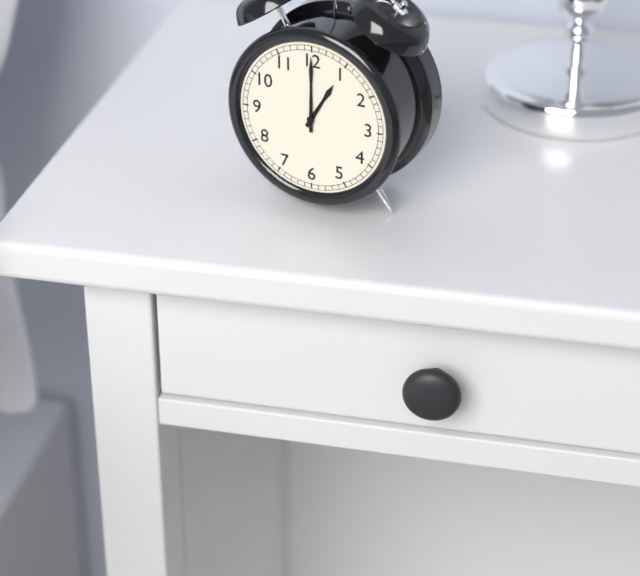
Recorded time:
{"hour": 1, "minute": 0}
